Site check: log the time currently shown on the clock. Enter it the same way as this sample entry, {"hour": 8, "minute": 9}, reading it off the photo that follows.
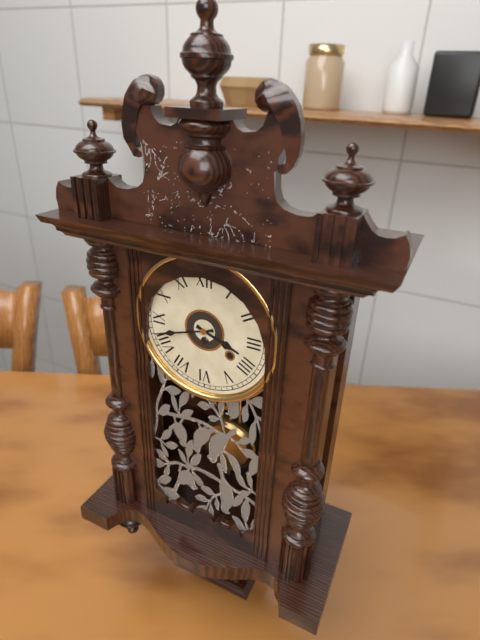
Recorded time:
{"hour": 3, "minute": 42}
